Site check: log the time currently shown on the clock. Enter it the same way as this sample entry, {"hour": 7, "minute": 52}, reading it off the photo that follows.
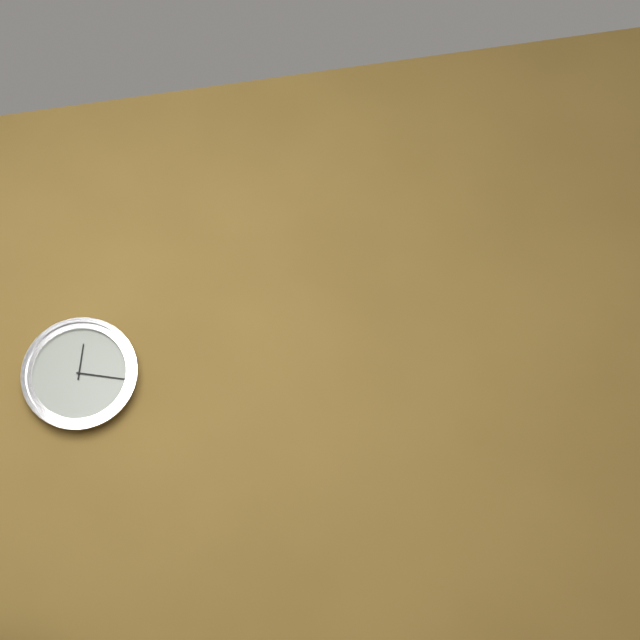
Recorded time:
{"hour": 12, "minute": 17}
